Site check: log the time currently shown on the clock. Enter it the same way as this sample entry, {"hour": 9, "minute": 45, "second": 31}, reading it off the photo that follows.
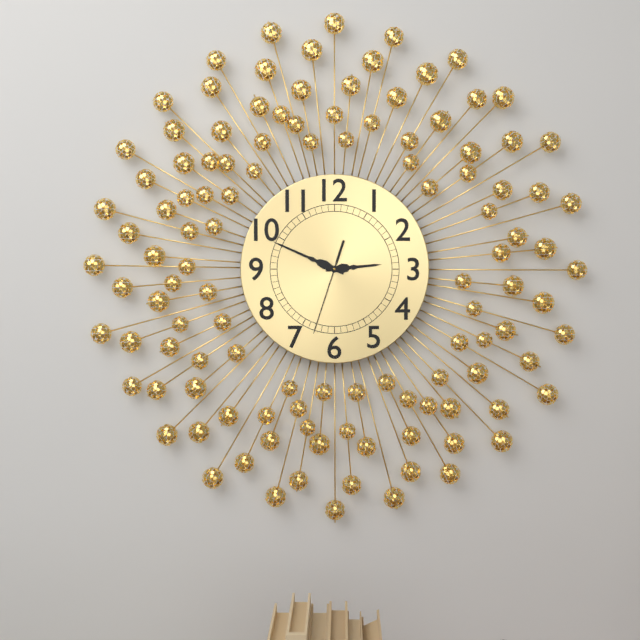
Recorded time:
{"hour": 2, "minute": 49, "second": 33}
